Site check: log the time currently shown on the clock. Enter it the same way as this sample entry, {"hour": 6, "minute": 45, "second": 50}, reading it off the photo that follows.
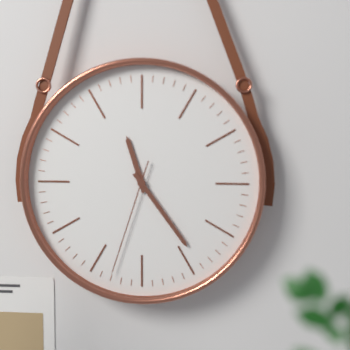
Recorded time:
{"hour": 11, "minute": 24, "second": 33}
